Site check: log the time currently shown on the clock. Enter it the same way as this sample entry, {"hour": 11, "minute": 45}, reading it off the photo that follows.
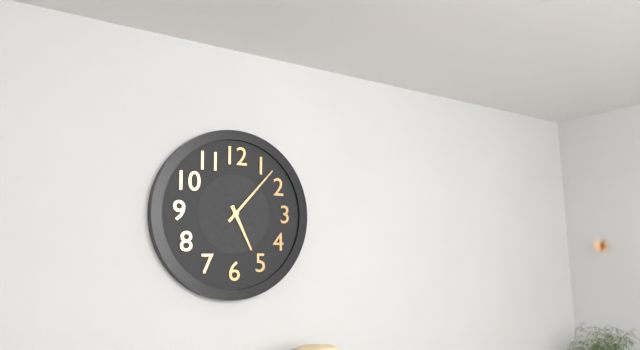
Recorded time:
{"hour": 5, "minute": 7}
